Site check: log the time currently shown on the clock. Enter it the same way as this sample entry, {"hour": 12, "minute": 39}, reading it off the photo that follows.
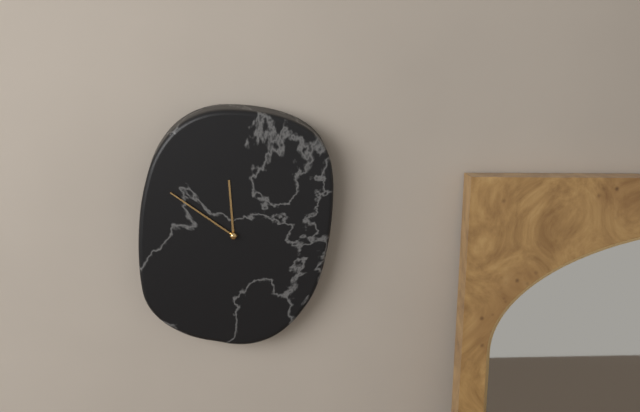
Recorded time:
{"hour": 11, "minute": 51}
